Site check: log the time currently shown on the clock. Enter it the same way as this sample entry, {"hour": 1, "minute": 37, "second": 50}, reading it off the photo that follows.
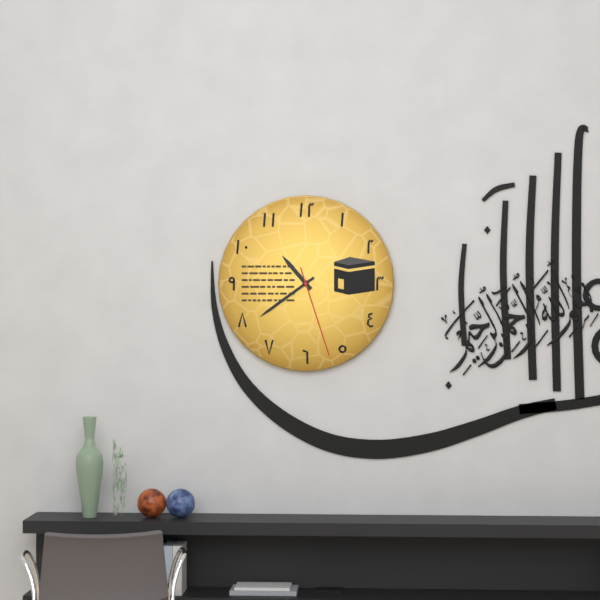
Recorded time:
{"hour": 10, "minute": 39, "second": 27}
